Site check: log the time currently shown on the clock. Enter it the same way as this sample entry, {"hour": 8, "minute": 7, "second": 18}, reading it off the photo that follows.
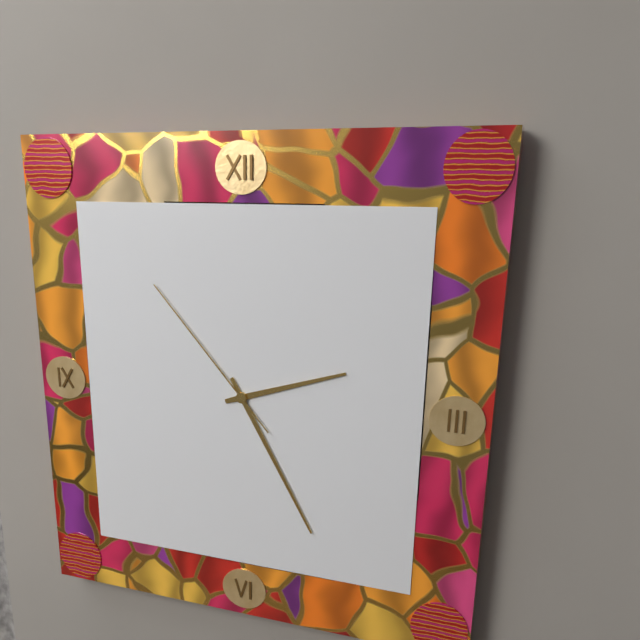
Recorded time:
{"hour": 2, "minute": 25, "second": 53}
